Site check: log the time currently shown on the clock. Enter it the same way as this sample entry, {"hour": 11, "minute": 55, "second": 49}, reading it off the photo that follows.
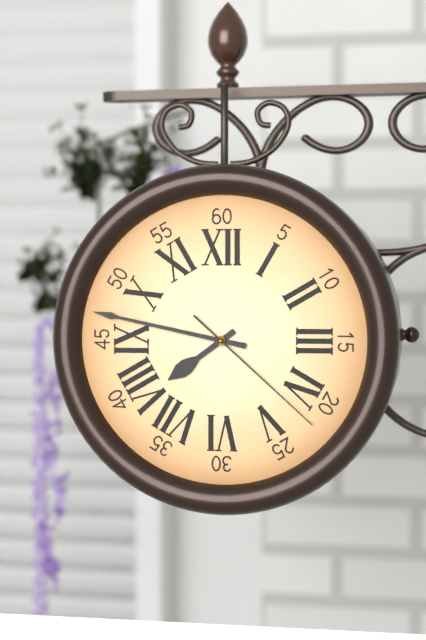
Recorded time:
{"hour": 7, "minute": 47, "second": 22}
